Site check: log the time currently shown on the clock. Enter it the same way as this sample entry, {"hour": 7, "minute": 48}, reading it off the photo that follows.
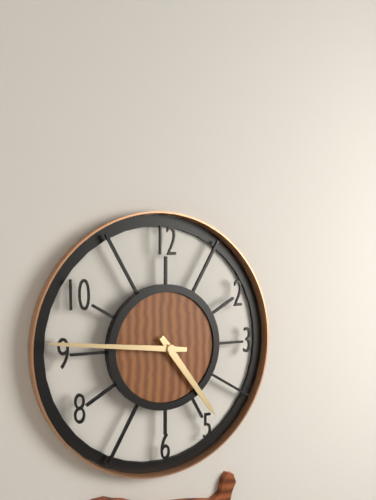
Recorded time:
{"hour": 4, "minute": 46}
